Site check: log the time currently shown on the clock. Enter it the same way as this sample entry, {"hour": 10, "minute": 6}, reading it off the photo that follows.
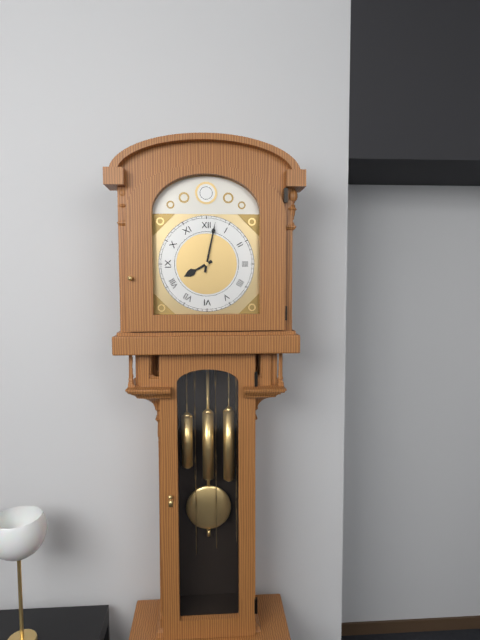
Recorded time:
{"hour": 8, "minute": 2}
